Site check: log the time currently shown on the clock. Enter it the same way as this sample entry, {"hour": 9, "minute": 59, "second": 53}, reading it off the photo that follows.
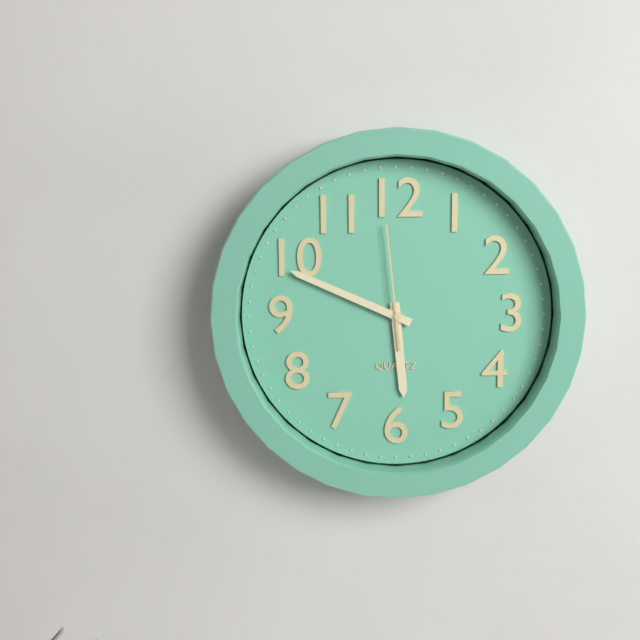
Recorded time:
{"hour": 5, "minute": 49, "second": 59}
